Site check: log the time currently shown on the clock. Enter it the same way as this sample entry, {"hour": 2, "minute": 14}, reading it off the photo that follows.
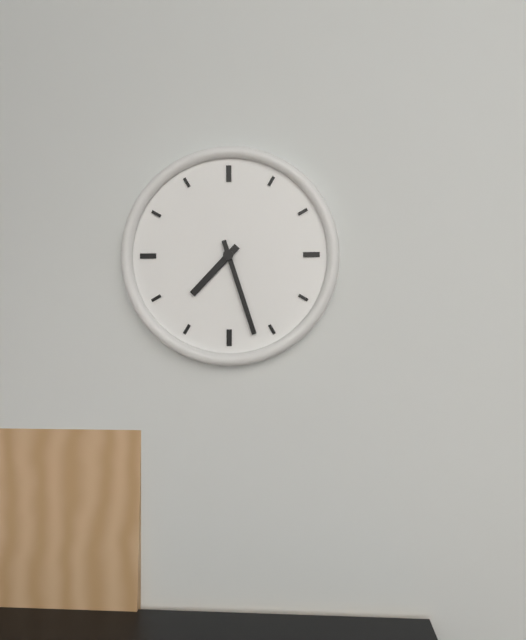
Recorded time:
{"hour": 7, "minute": 27}
